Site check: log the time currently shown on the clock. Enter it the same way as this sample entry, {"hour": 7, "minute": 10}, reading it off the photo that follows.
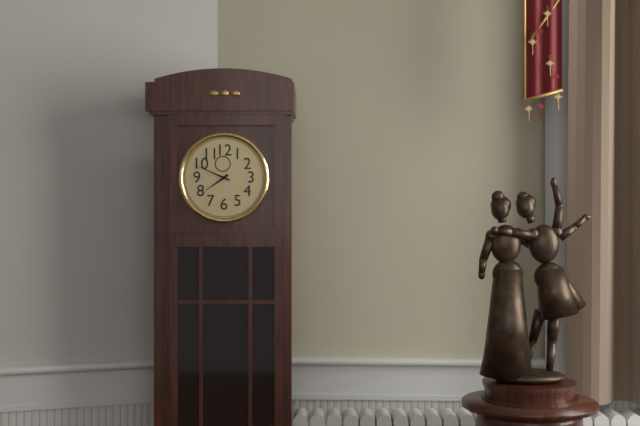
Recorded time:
{"hour": 7, "minute": 49}
